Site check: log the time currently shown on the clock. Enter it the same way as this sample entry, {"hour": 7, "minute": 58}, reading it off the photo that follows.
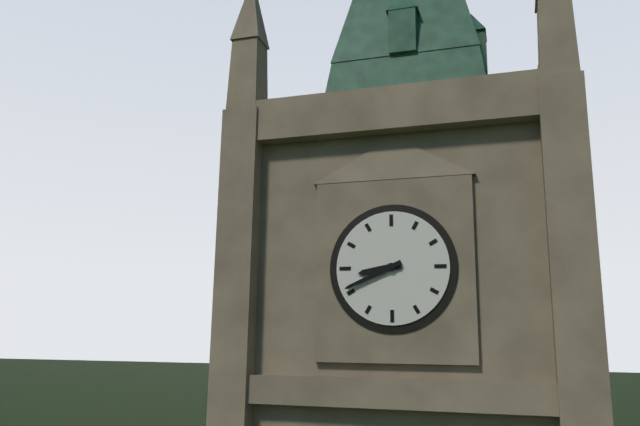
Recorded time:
{"hour": 8, "minute": 41}
